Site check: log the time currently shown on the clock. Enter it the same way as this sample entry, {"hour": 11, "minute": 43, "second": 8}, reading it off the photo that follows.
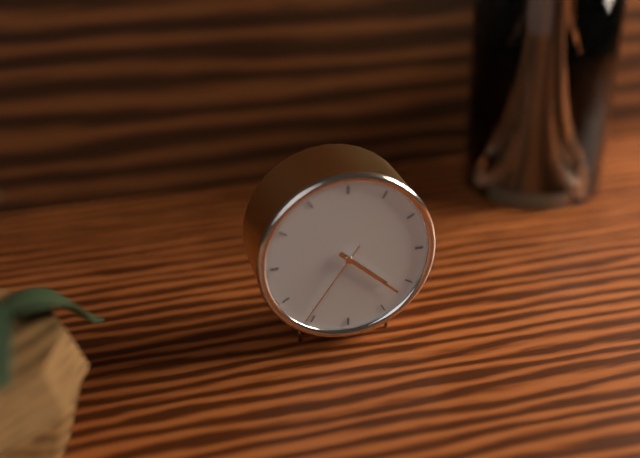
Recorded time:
{"hour": 4, "minute": 22, "second": 36}
